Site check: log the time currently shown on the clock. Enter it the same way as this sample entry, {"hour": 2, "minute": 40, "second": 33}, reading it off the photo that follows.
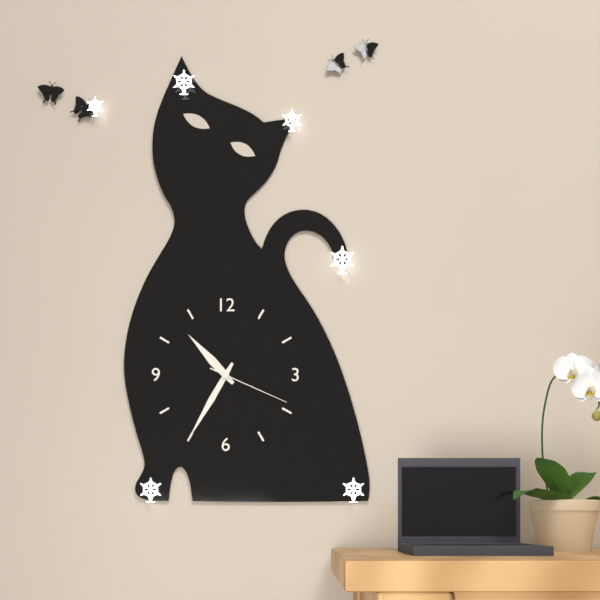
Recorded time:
{"hour": 10, "minute": 35, "second": 19}
